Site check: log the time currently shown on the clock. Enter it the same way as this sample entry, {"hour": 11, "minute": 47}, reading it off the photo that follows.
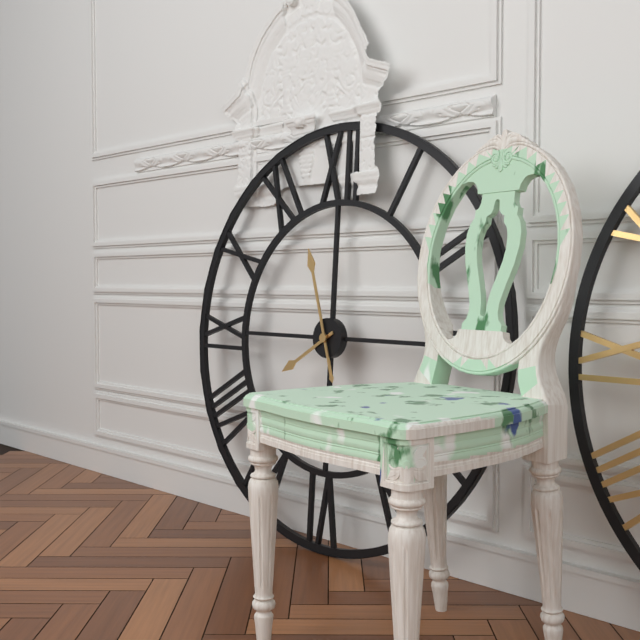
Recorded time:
{"hour": 7, "minute": 57}
